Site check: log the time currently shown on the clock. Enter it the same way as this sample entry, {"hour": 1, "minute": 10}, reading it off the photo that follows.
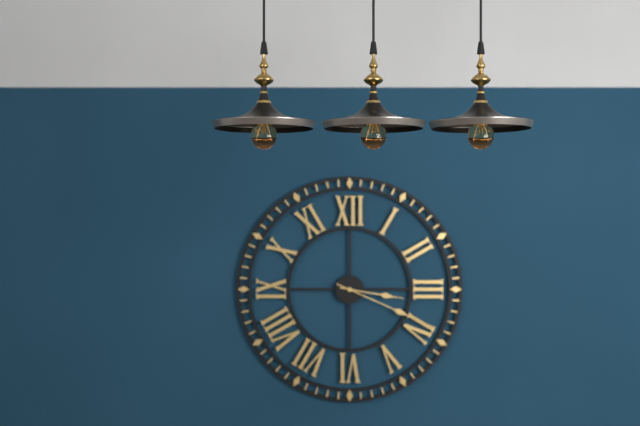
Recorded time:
{"hour": 3, "minute": 19}
